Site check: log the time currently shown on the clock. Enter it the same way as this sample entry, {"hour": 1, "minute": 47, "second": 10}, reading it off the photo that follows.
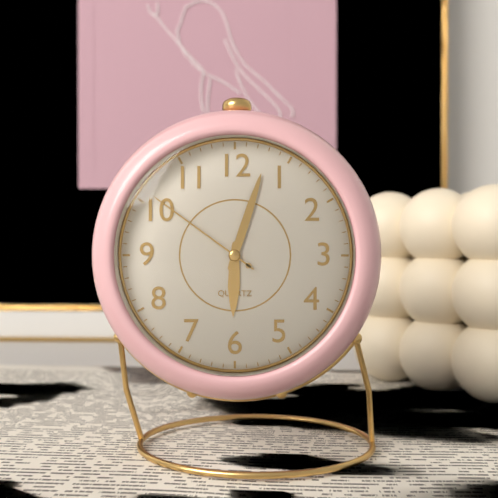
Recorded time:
{"hour": 6, "minute": 3, "second": 51}
